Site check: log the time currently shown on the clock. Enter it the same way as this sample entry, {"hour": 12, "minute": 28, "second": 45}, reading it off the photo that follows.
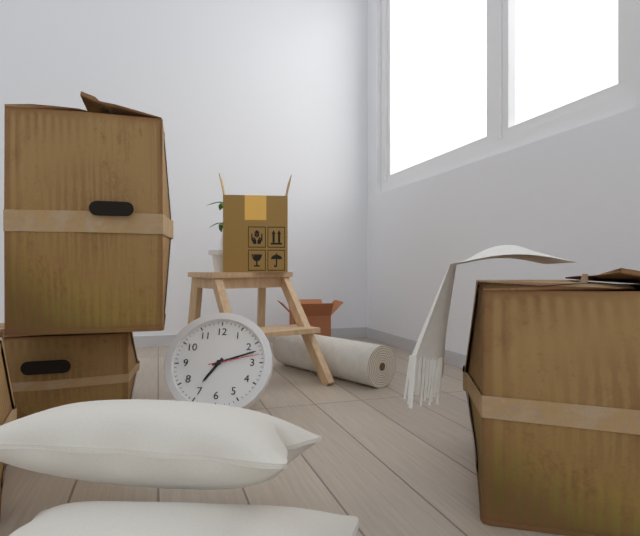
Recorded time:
{"hour": 7, "minute": 12, "second": 13}
